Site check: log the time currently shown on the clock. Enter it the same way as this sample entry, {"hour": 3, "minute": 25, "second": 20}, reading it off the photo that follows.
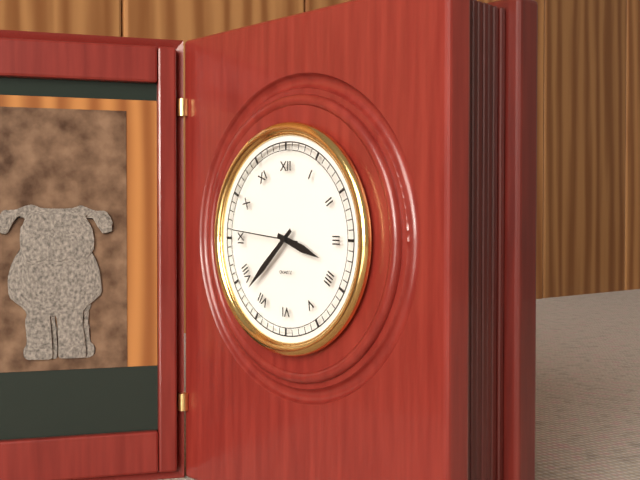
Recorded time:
{"hour": 3, "minute": 38, "second": 46}
